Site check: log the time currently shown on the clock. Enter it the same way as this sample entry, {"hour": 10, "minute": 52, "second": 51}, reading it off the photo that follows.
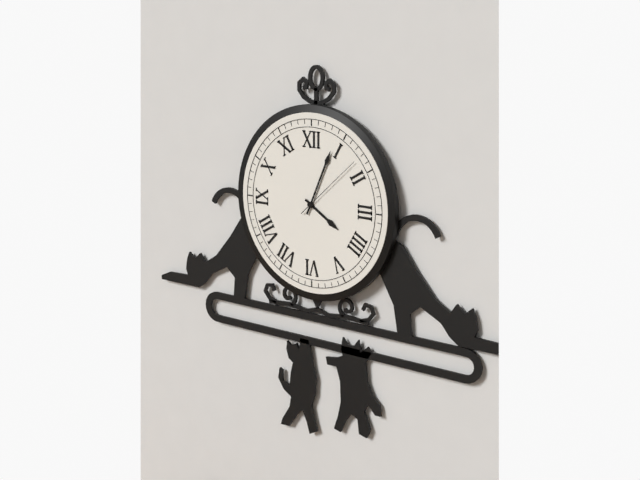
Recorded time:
{"hour": 4, "minute": 4, "second": 8}
